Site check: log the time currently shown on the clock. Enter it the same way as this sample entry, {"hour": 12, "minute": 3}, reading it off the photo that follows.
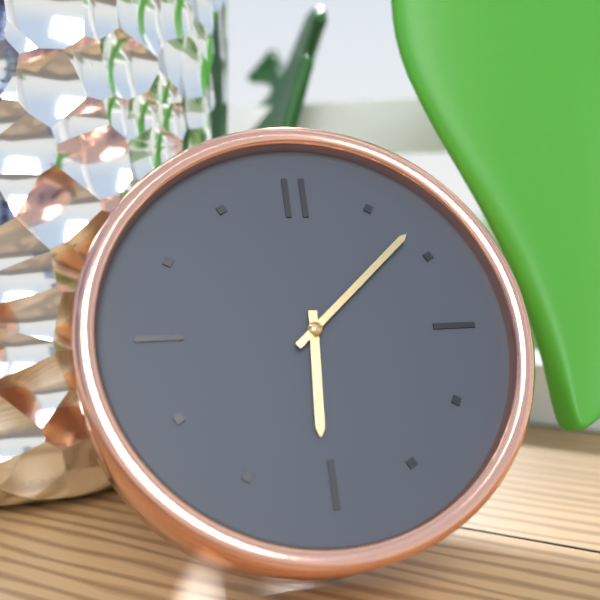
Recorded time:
{"hour": 6, "minute": 8}
